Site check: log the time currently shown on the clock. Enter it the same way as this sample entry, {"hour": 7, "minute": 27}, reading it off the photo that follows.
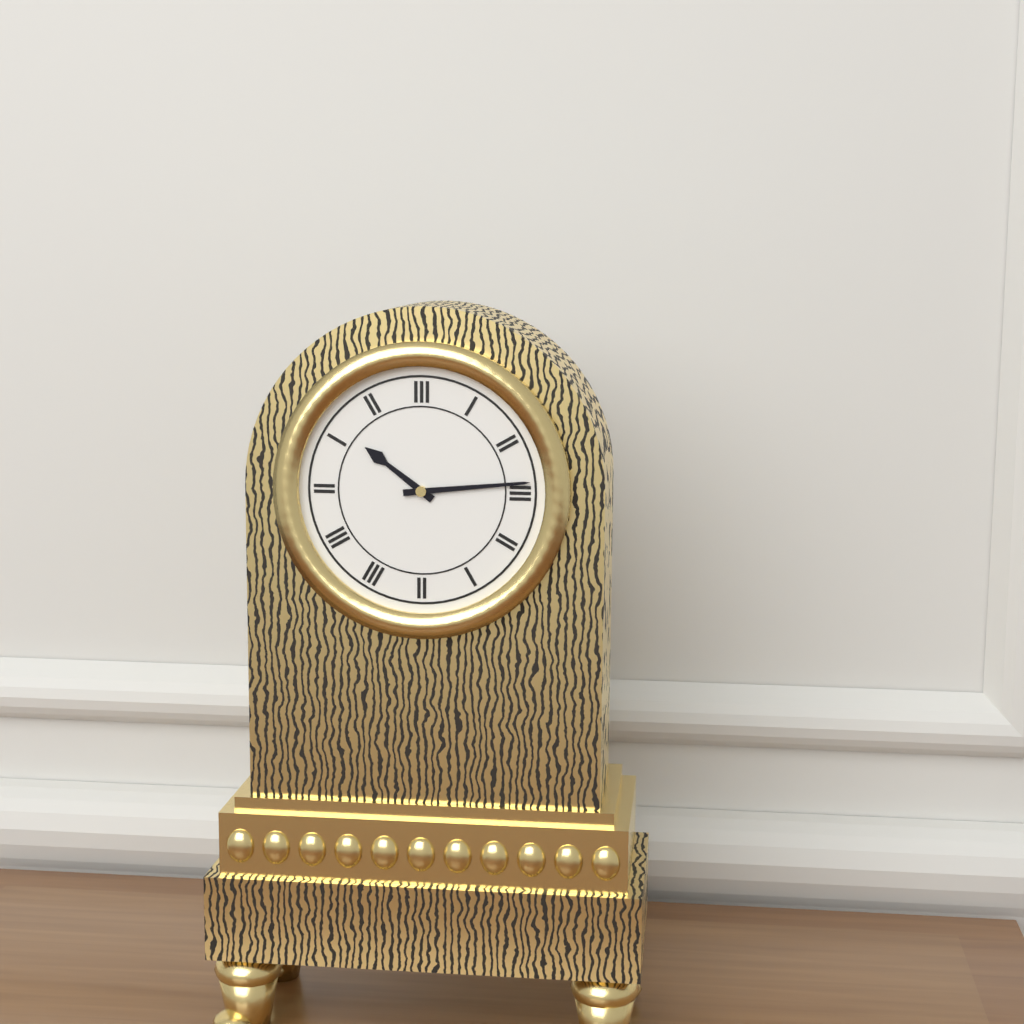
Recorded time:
{"hour": 10, "minute": 14}
